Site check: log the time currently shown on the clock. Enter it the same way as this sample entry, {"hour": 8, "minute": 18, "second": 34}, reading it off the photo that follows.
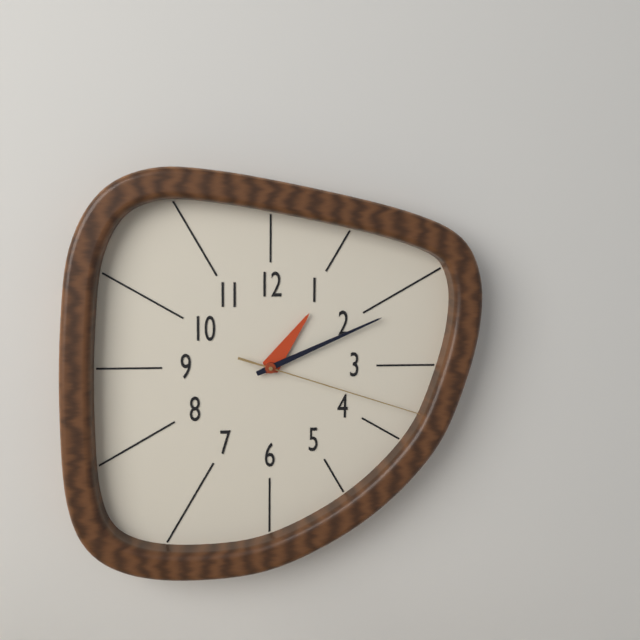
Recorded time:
{"hour": 1, "minute": 11, "second": 18}
